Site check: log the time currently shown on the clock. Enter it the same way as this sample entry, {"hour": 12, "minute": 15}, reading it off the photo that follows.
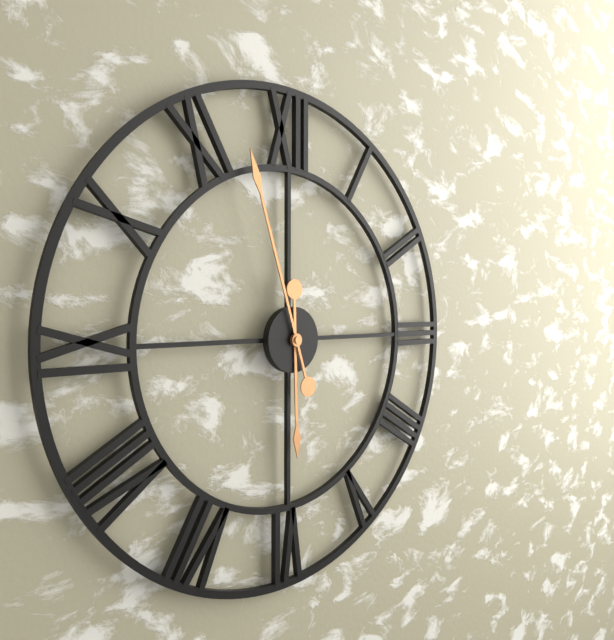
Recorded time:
{"hour": 5, "minute": 57}
